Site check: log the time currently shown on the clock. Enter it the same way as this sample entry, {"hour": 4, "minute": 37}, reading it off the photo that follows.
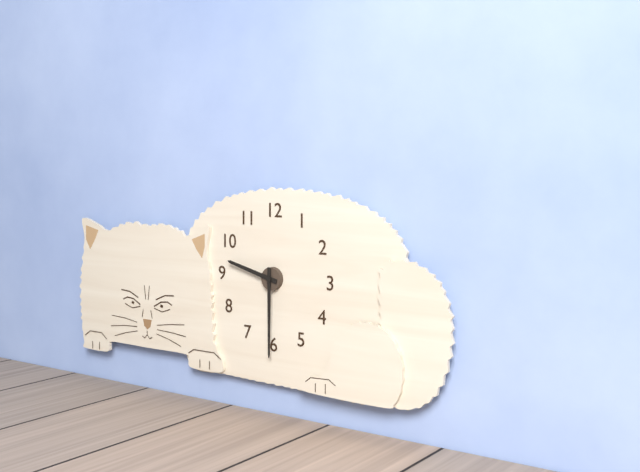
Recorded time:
{"hour": 9, "minute": 30}
